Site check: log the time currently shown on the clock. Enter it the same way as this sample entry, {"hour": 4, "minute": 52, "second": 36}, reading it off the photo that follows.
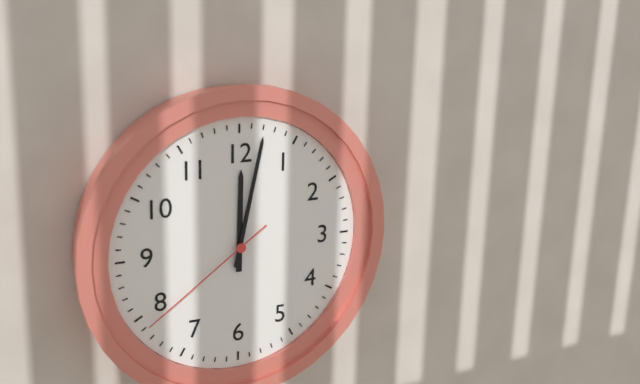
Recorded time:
{"hour": 12, "minute": 2, "second": 39}
